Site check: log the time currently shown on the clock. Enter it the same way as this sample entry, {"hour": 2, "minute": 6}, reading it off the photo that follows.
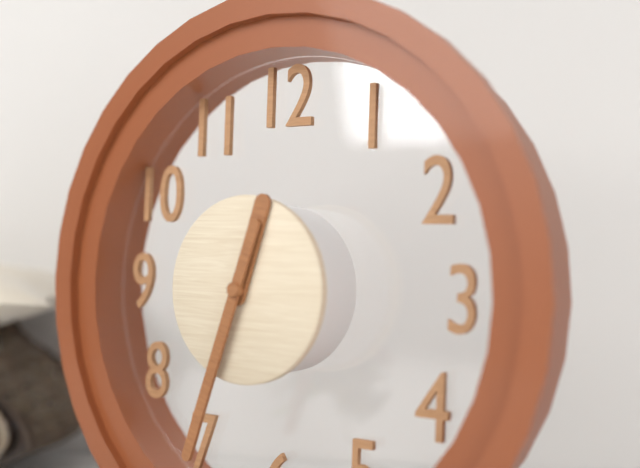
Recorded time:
{"hour": 12, "minute": 33}
